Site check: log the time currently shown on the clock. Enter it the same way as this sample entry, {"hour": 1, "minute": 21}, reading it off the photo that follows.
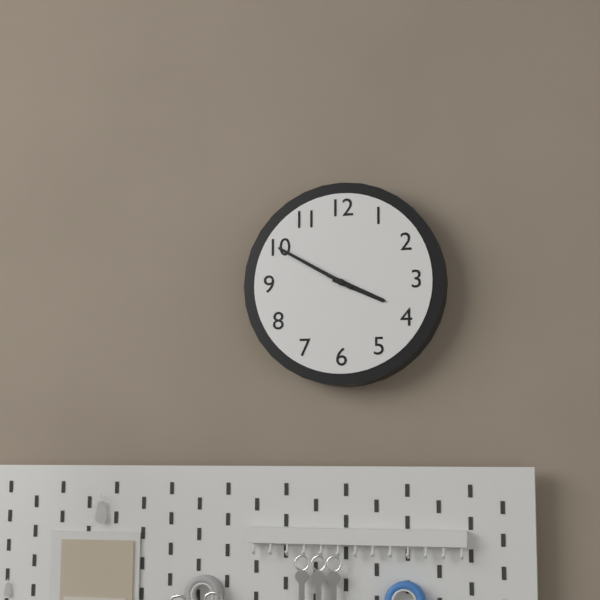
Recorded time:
{"hour": 3, "minute": 50}
